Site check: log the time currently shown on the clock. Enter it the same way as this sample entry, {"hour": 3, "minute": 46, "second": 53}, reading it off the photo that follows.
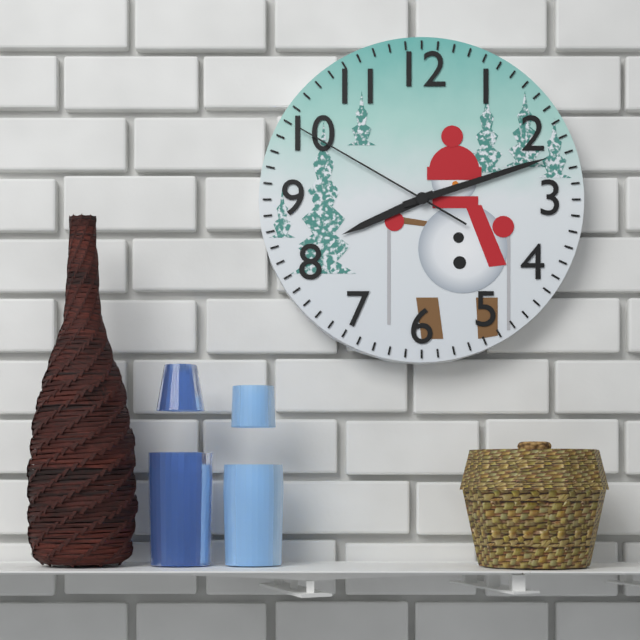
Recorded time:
{"hour": 8, "minute": 12, "second": 50}
